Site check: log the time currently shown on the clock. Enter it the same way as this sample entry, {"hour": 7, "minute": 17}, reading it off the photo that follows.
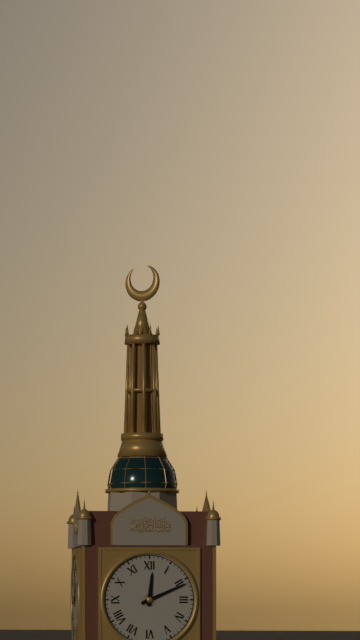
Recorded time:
{"hour": 12, "minute": 11}
